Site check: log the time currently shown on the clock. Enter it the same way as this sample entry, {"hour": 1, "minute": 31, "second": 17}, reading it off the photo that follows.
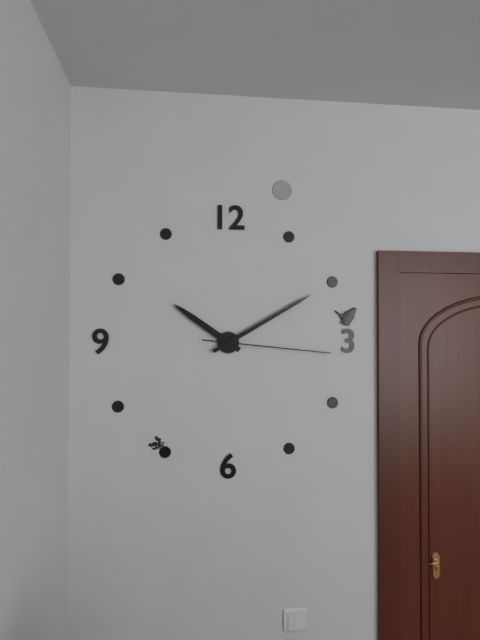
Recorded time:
{"hour": 10, "minute": 10, "second": 16}
